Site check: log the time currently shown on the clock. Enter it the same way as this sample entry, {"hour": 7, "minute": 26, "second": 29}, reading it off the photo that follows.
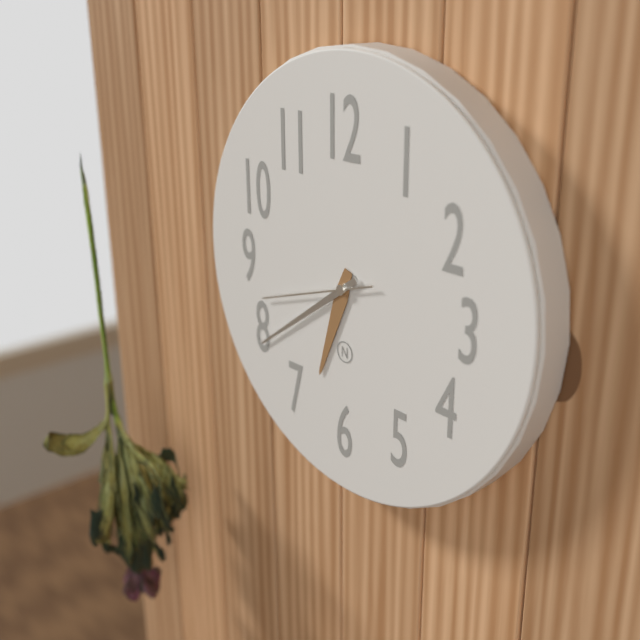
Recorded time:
{"hour": 6, "minute": 39, "second": 42}
